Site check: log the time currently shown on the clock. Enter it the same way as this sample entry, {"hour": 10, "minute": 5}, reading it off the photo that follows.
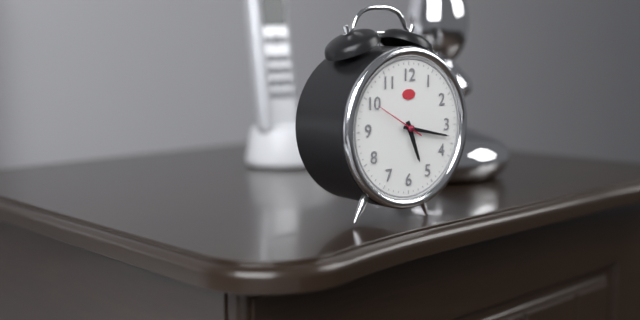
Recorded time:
{"hour": 5, "minute": 17}
